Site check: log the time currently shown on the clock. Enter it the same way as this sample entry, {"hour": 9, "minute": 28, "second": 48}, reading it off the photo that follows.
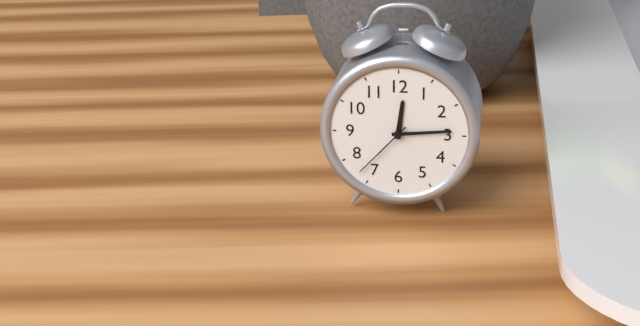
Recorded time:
{"hour": 12, "minute": 14, "second": 37}
